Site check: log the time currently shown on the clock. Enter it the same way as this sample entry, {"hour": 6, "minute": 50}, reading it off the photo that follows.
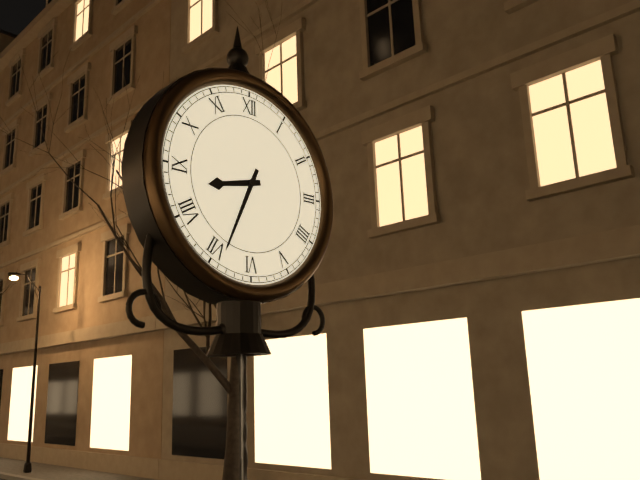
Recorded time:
{"hour": 8, "minute": 34}
